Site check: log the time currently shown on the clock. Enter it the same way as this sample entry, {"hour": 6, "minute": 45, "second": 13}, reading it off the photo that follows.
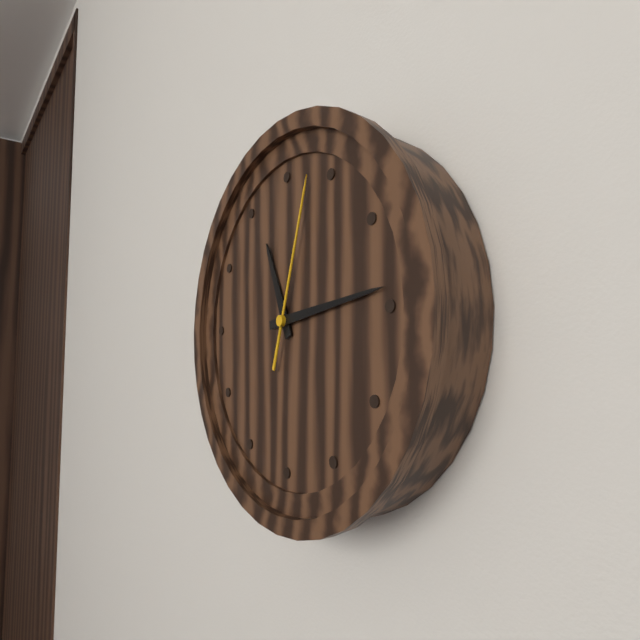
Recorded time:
{"hour": 11, "minute": 14, "second": 3}
